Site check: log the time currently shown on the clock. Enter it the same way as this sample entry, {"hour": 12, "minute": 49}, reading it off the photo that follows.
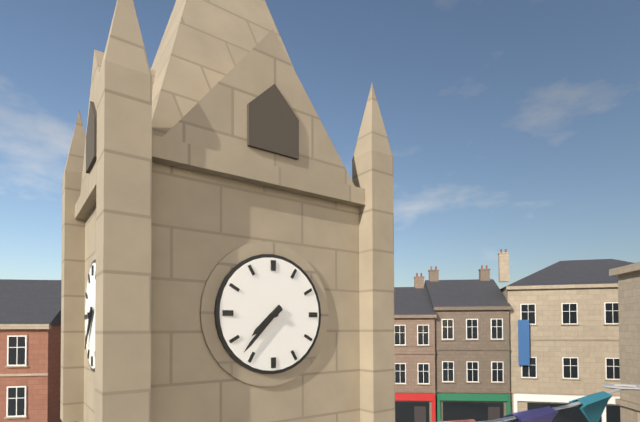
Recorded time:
{"hour": 7, "minute": 37}
